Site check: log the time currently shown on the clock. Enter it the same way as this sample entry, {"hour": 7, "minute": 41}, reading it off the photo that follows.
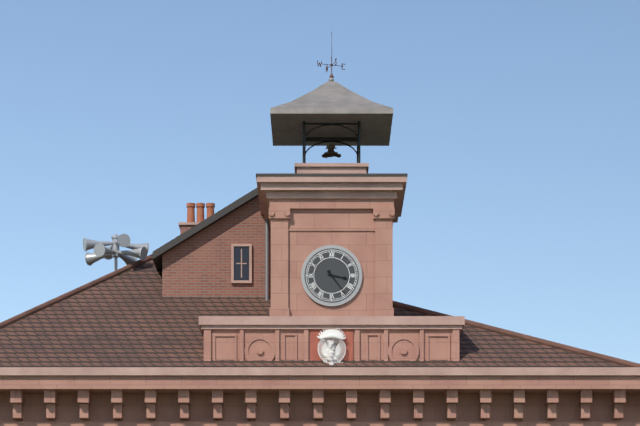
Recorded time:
{"hour": 3, "minute": 24}
